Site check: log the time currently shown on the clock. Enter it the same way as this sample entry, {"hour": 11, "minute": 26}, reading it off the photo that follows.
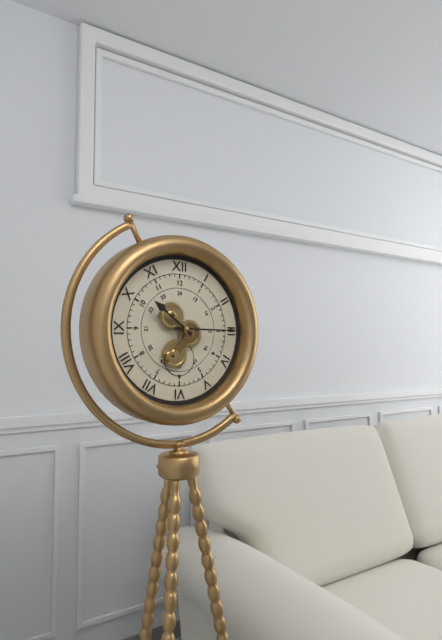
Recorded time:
{"hour": 10, "minute": 15}
